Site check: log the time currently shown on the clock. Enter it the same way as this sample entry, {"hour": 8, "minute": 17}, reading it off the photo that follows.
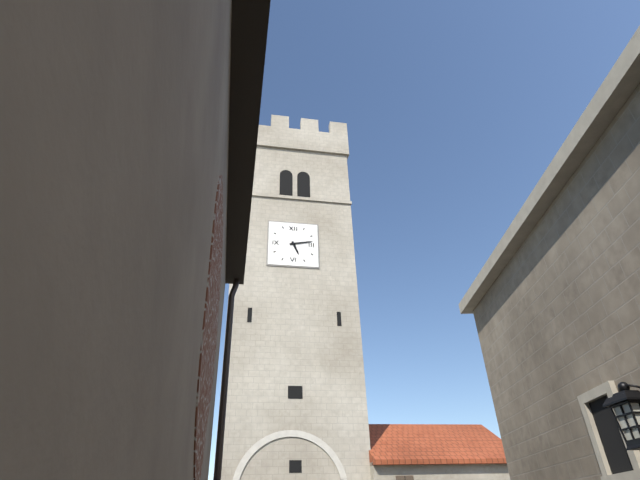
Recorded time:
{"hour": 5, "minute": 13}
